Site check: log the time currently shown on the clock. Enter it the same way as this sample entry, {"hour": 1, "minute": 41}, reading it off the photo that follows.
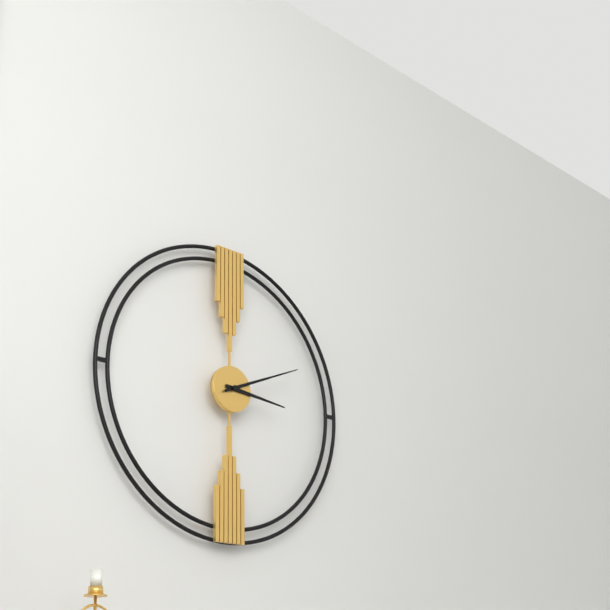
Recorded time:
{"hour": 3, "minute": 11}
